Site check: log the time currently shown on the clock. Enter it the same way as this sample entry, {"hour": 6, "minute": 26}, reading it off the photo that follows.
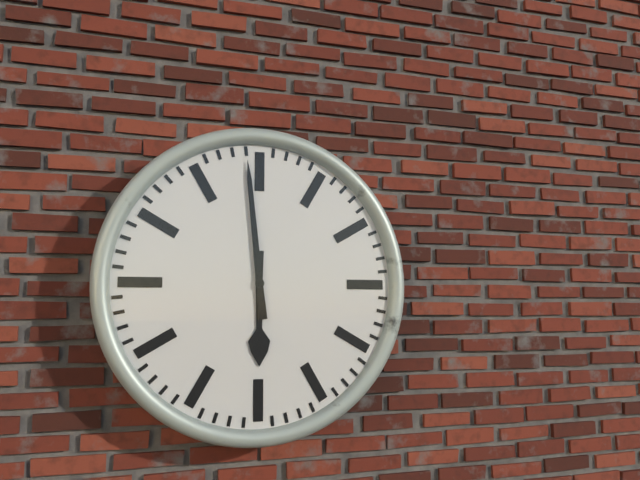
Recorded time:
{"hour": 5, "minute": 59}
